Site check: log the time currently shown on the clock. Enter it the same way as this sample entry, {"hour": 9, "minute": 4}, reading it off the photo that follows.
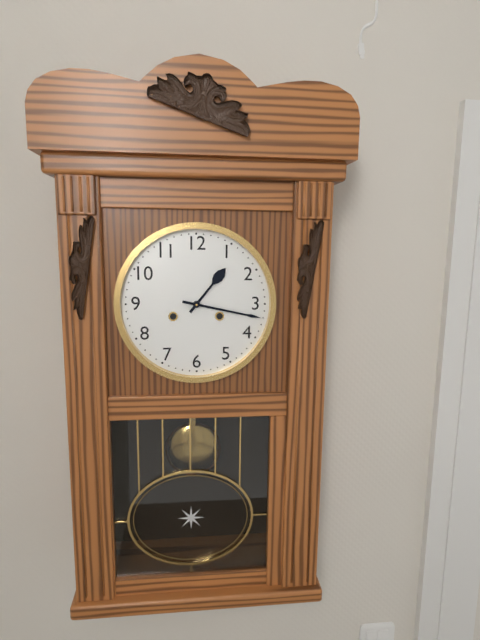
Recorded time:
{"hour": 1, "minute": 17}
